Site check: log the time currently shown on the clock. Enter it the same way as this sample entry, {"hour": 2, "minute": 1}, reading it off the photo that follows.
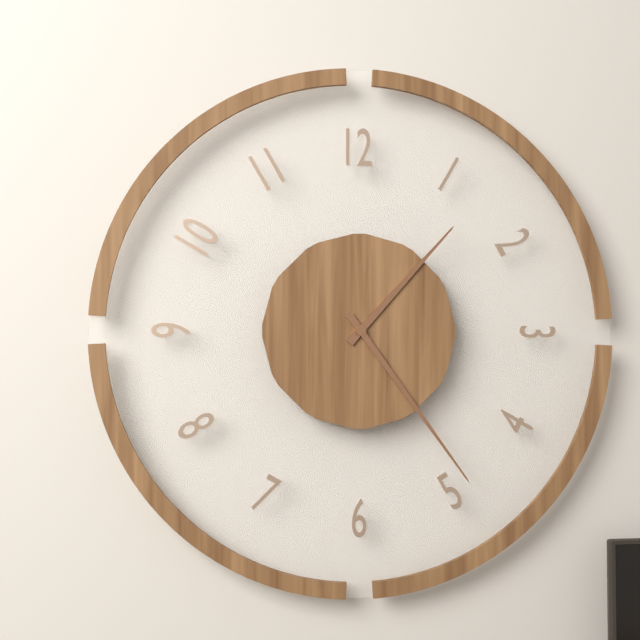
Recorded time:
{"hour": 1, "minute": 24}
